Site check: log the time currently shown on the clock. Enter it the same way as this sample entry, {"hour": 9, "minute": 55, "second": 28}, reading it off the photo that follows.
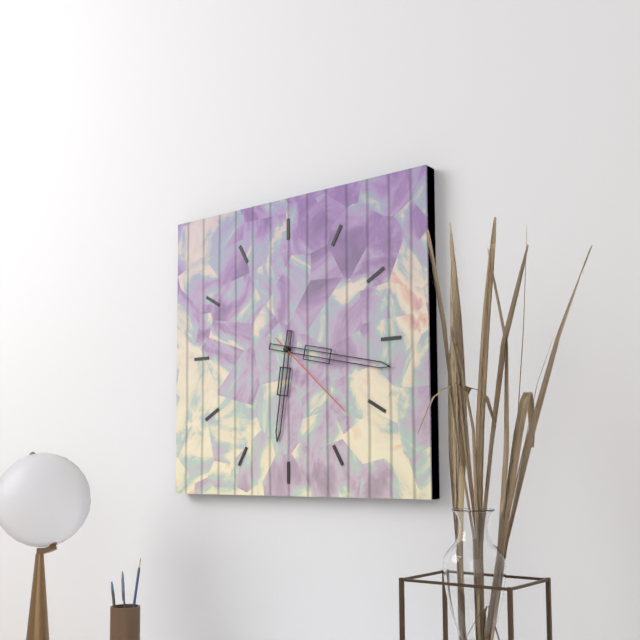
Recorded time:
{"hour": 6, "minute": 17, "second": 22}
